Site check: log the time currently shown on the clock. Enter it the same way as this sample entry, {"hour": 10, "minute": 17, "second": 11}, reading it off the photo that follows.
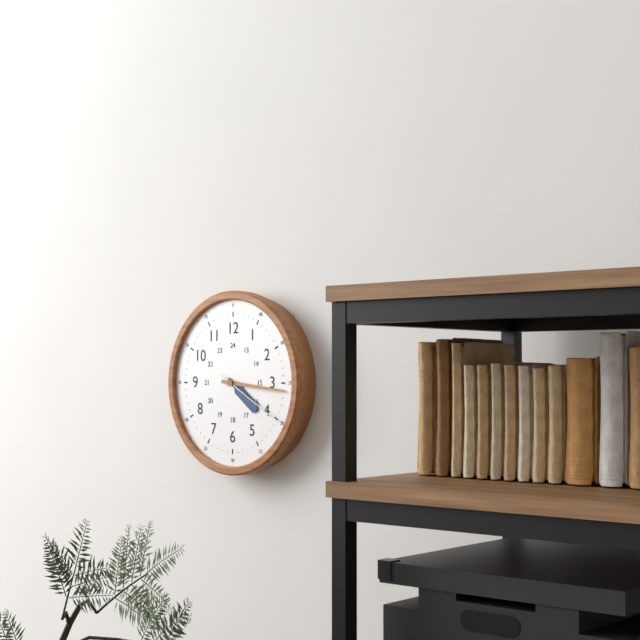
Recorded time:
{"hour": 4, "minute": 16, "second": 20}
